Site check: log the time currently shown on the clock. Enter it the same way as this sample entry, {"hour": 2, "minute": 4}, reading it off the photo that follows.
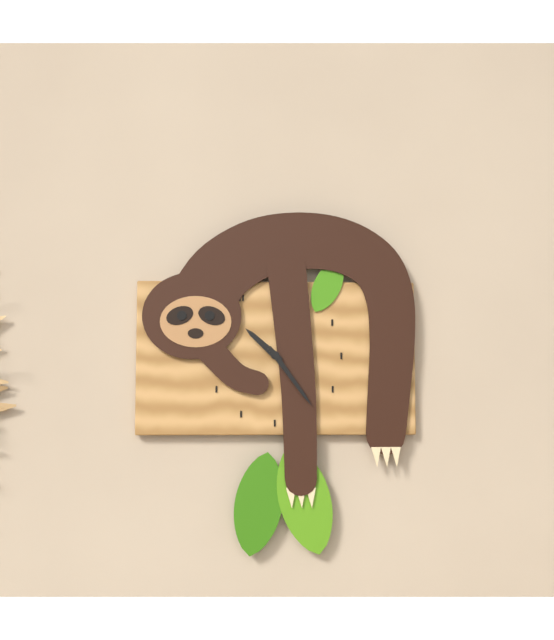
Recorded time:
{"hour": 10, "minute": 24}
